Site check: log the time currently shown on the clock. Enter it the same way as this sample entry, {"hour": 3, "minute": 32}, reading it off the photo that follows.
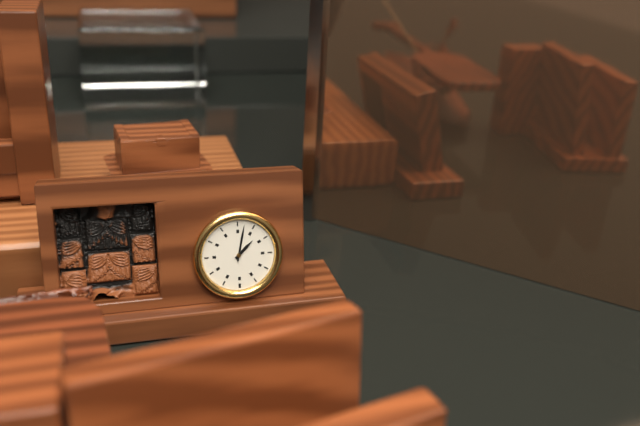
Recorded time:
{"hour": 7, "minute": 32}
